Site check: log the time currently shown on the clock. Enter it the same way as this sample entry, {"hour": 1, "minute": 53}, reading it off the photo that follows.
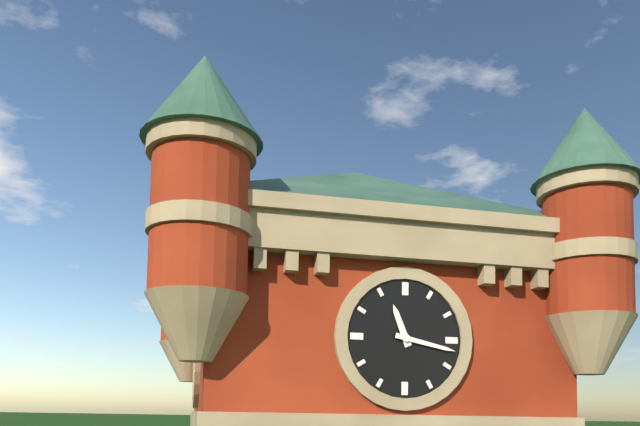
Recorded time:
{"hour": 11, "minute": 17}
